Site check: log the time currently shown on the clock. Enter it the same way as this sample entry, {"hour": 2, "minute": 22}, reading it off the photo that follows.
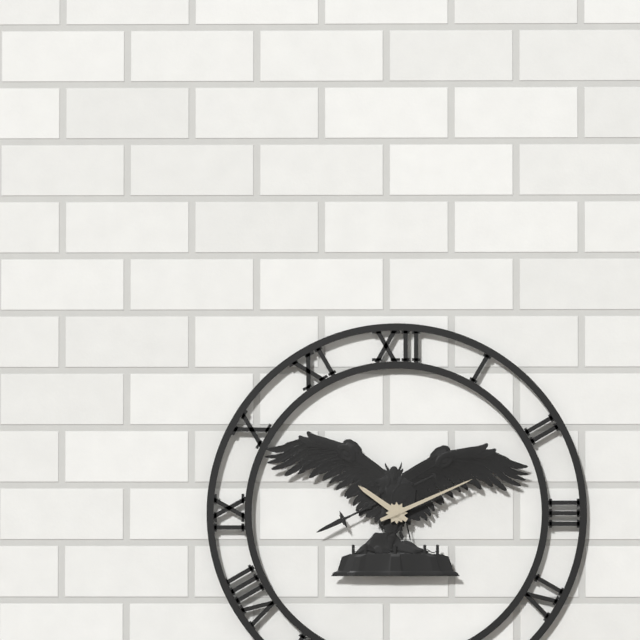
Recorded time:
{"hour": 10, "minute": 11}
